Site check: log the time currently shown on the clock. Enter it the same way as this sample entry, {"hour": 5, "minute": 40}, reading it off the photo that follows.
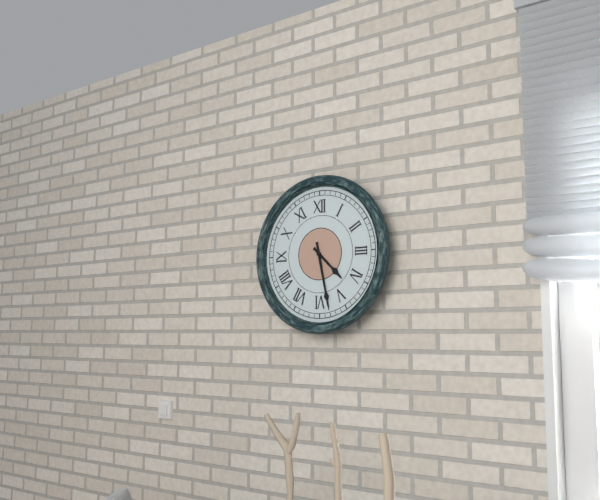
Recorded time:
{"hour": 4, "minute": 28}
